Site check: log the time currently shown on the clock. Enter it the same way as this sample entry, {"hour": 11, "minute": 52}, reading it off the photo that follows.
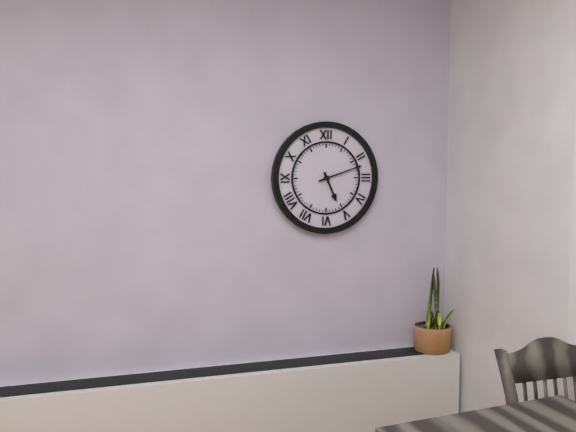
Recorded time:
{"hour": 5, "minute": 12}
